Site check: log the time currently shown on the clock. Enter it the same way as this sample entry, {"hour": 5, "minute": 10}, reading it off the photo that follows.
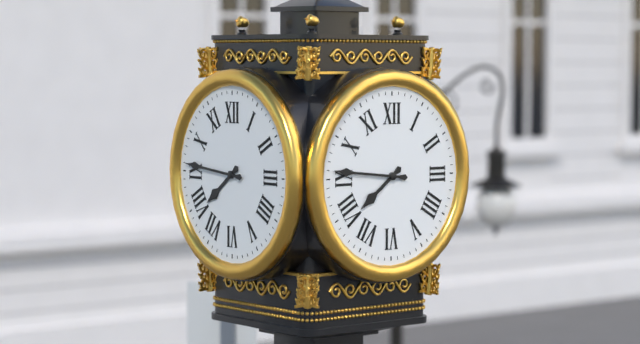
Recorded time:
{"hour": 7, "minute": 46}
